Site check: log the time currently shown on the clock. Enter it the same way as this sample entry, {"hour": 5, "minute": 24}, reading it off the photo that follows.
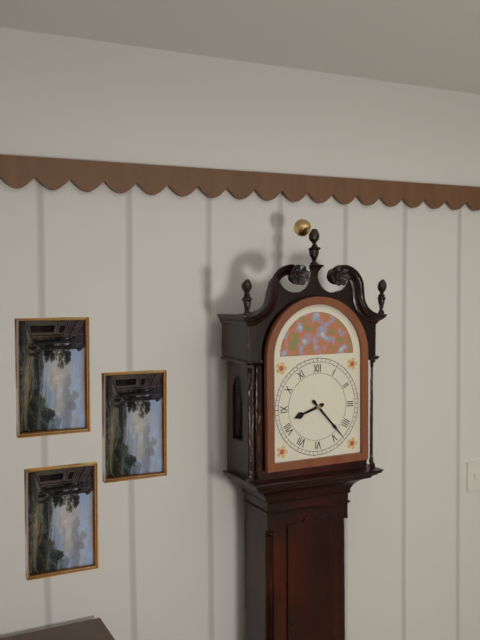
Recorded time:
{"hour": 8, "minute": 23}
